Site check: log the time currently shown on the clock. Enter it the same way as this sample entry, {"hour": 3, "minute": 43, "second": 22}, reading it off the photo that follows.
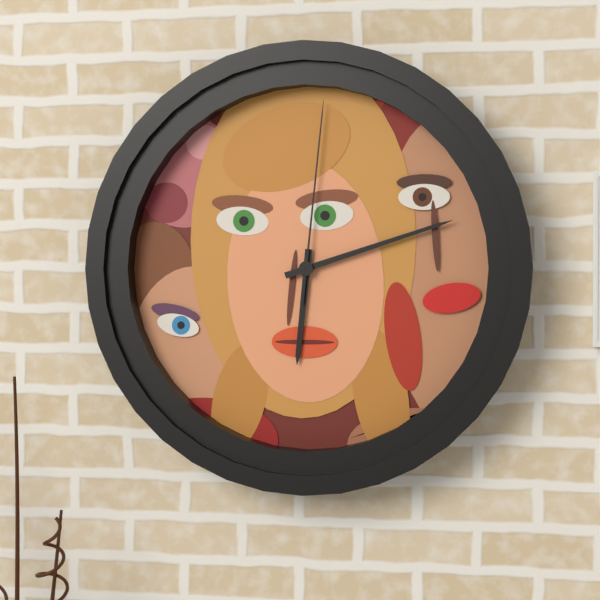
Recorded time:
{"hour": 6, "minute": 12, "second": 1}
